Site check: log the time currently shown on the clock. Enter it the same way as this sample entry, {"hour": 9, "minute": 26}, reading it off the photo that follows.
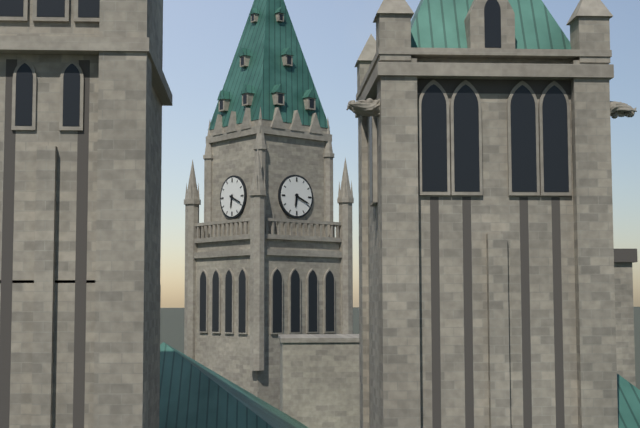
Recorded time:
{"hour": 6, "minute": 19}
